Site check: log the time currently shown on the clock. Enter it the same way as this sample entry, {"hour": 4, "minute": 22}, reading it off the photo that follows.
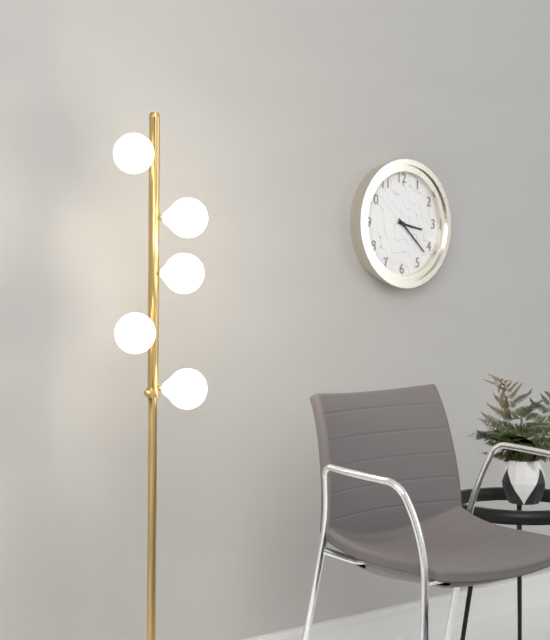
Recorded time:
{"hour": 3, "minute": 22}
